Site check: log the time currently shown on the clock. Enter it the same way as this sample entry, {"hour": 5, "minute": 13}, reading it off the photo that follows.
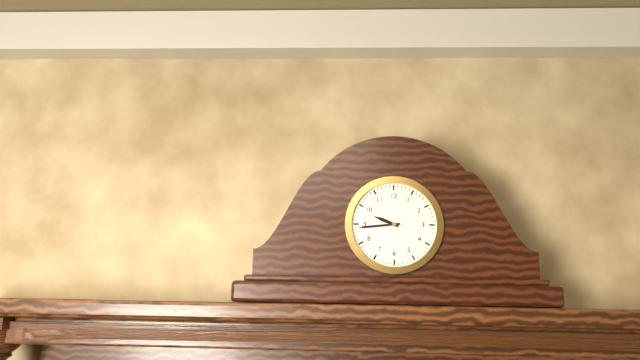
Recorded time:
{"hour": 9, "minute": 44}
